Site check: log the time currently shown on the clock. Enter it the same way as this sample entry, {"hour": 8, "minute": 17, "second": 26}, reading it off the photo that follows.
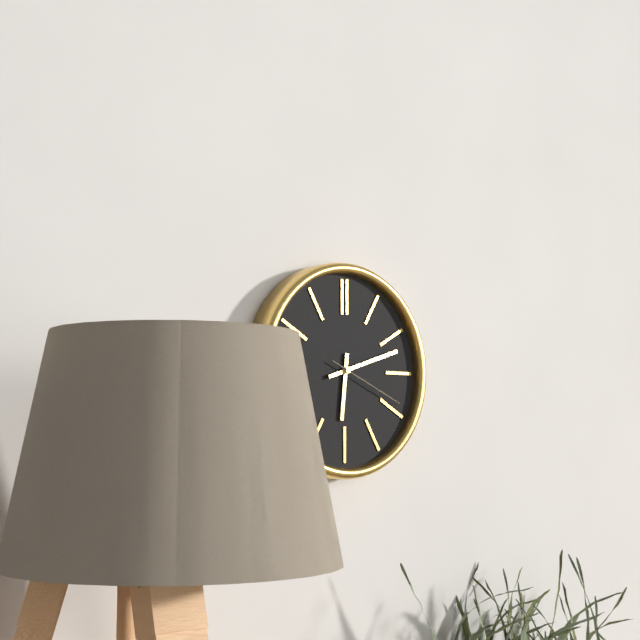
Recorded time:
{"hour": 6, "minute": 12, "second": 19}
